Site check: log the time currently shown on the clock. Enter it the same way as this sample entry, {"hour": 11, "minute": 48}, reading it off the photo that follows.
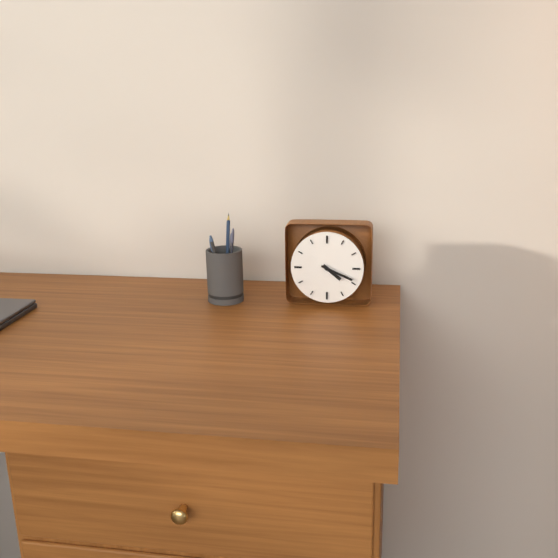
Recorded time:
{"hour": 4, "minute": 19}
